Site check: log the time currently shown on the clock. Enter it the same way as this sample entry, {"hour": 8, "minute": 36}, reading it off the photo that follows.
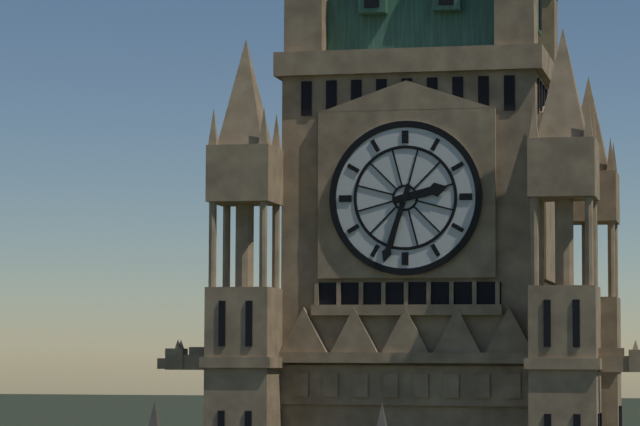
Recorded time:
{"hour": 2, "minute": 33}
